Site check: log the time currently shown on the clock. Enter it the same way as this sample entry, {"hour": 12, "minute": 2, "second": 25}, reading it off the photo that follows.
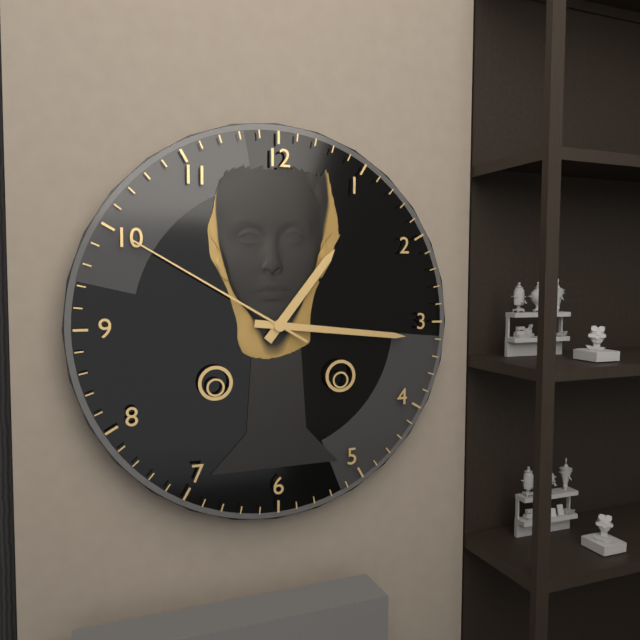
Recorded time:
{"hour": 1, "minute": 16, "second": 50}
